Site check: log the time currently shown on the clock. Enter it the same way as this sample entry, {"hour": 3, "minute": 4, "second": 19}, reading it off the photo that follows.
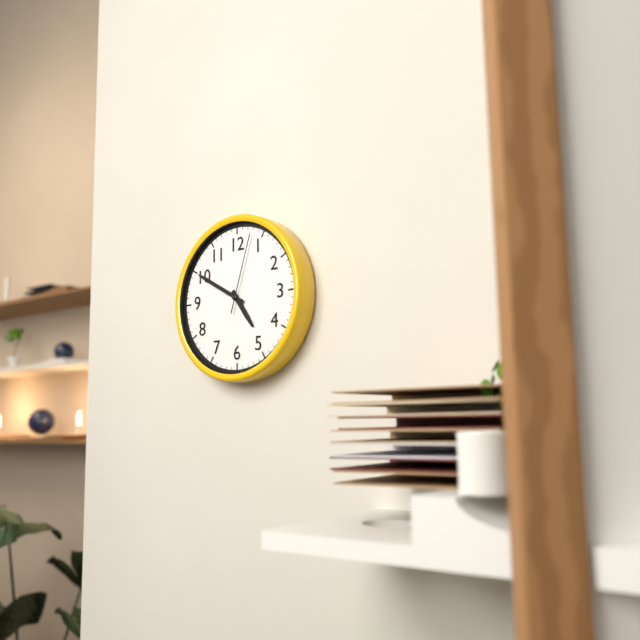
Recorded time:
{"hour": 4, "minute": 50, "second": 3}
